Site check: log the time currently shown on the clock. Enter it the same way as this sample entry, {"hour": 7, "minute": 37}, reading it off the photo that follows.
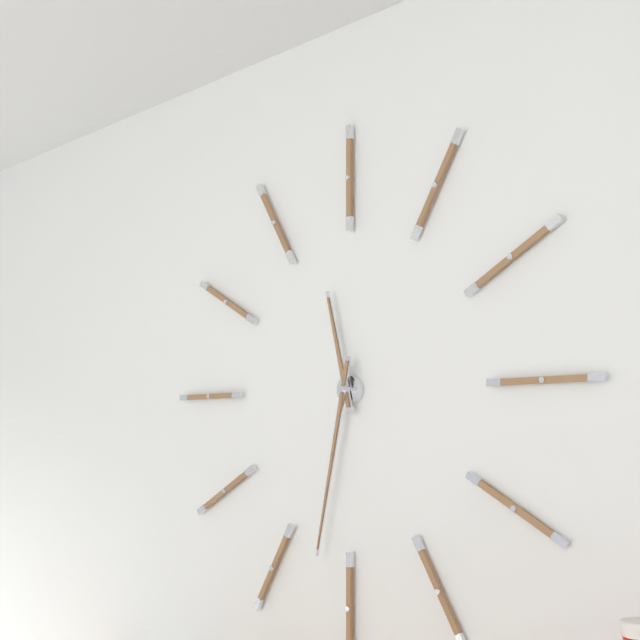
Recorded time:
{"hour": 11, "minute": 32}
